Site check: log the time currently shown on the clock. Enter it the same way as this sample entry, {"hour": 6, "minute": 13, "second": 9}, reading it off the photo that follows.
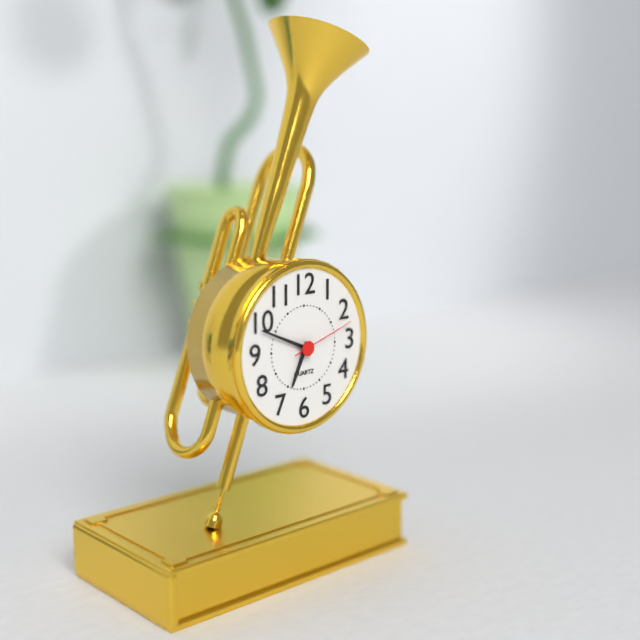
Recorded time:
{"hour": 6, "minute": 49, "second": 12}
